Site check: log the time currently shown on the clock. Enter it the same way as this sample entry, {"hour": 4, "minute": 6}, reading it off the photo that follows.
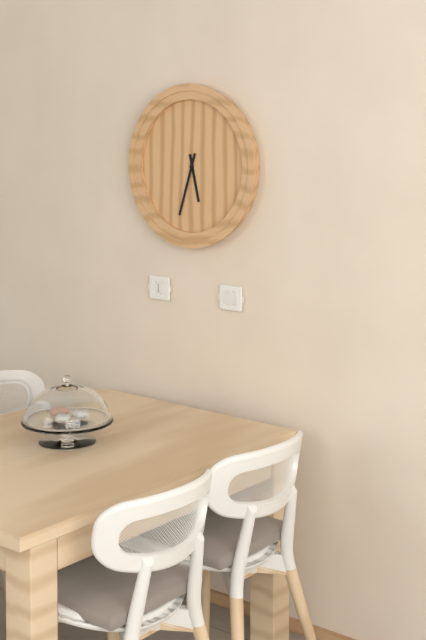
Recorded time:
{"hour": 5, "minute": 33}
